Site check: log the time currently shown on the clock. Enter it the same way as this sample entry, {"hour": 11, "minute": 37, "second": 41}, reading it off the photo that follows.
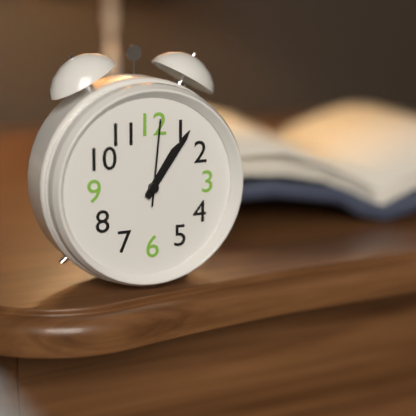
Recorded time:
{"hour": 1, "minute": 6, "second": 1}
